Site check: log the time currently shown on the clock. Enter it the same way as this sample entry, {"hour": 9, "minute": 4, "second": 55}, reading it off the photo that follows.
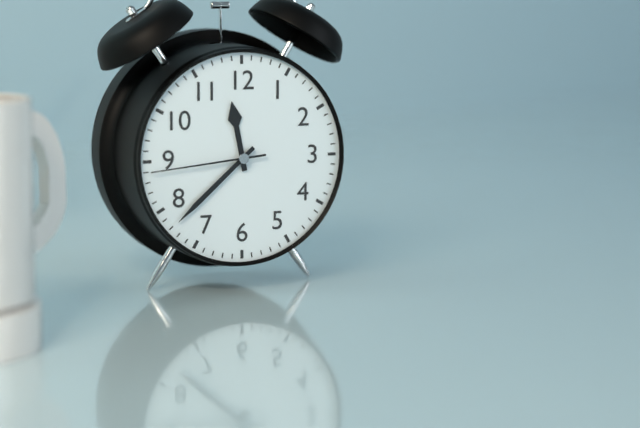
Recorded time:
{"hour": 11, "minute": 38, "second": 44}
